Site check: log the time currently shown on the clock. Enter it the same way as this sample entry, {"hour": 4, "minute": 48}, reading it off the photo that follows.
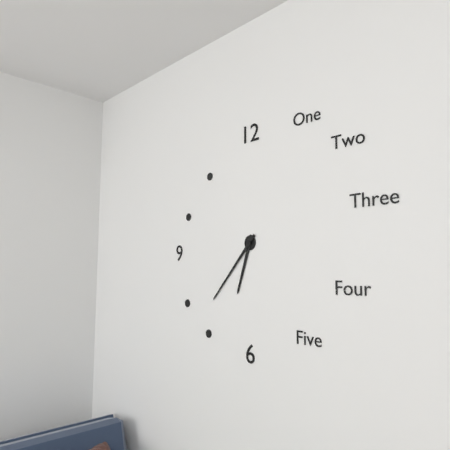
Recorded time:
{"hour": 6, "minute": 37}
